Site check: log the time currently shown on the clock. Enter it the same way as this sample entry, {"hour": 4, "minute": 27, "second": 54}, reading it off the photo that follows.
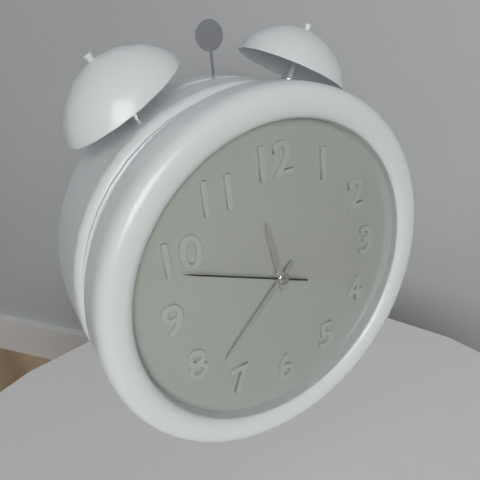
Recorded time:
{"hour": 11, "minute": 38, "second": 49}
